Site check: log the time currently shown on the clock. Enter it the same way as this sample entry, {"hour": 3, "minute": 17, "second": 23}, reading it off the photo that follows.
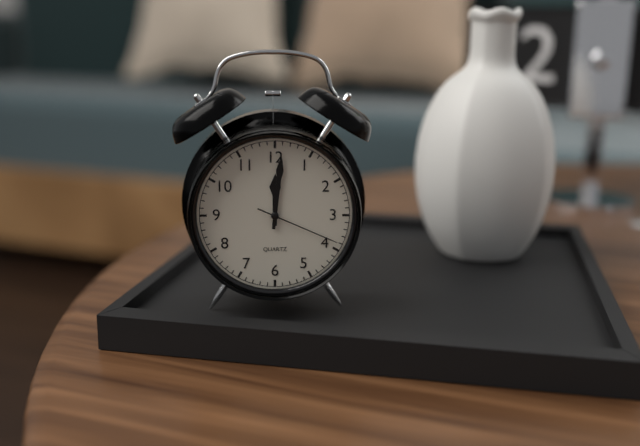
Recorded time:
{"hour": 12, "minute": 1, "second": 19}
